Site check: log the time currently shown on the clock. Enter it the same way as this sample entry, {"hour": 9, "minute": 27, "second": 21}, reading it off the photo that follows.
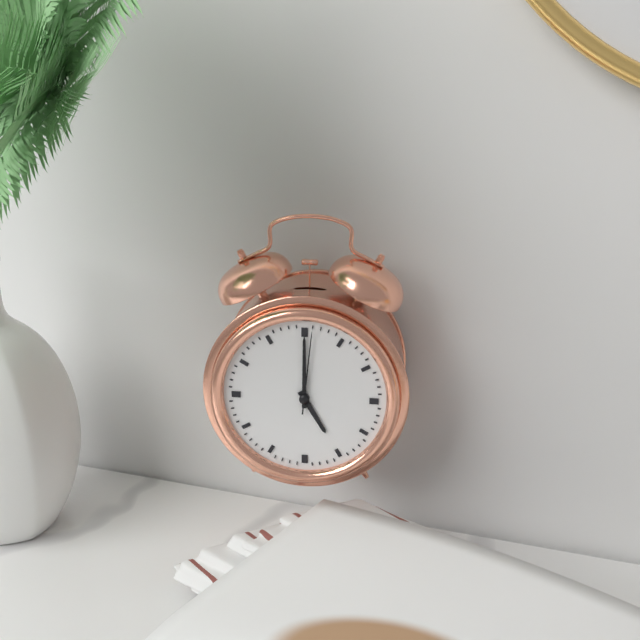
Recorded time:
{"hour": 5, "minute": 0, "second": 1}
